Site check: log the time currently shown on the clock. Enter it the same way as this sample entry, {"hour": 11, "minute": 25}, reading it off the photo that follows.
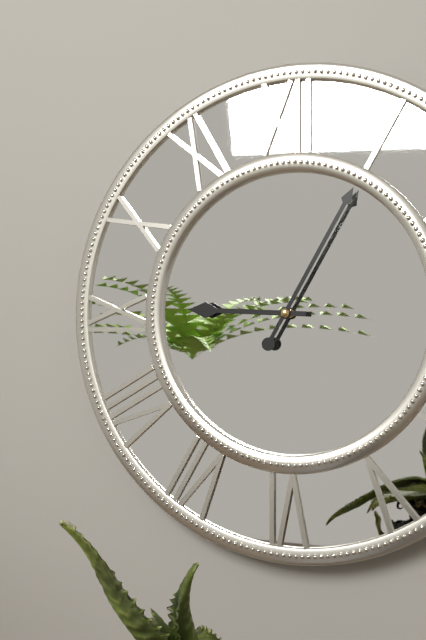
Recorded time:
{"hour": 9, "minute": 5}
